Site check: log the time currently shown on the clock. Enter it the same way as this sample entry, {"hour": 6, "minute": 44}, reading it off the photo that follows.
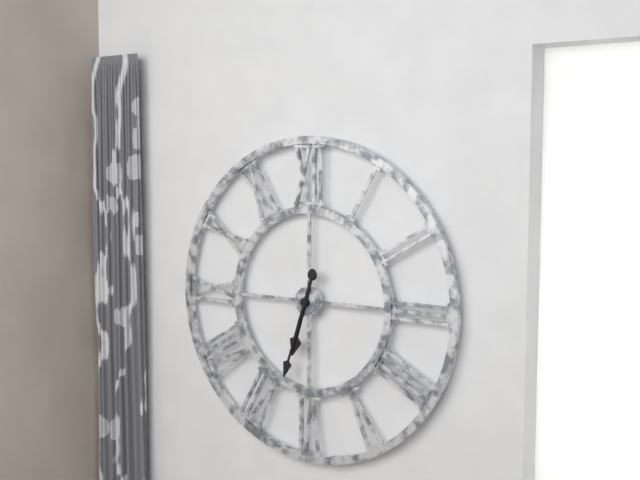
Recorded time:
{"hour": 6, "minute": 33}
